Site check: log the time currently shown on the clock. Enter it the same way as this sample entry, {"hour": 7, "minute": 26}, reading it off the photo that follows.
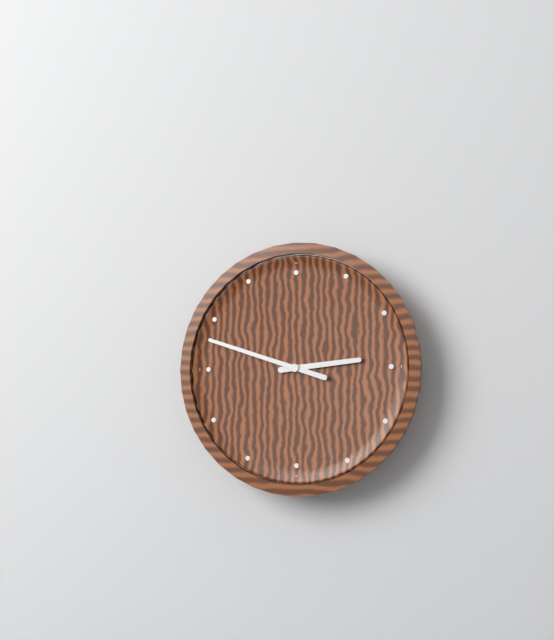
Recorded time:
{"hour": 2, "minute": 48}
